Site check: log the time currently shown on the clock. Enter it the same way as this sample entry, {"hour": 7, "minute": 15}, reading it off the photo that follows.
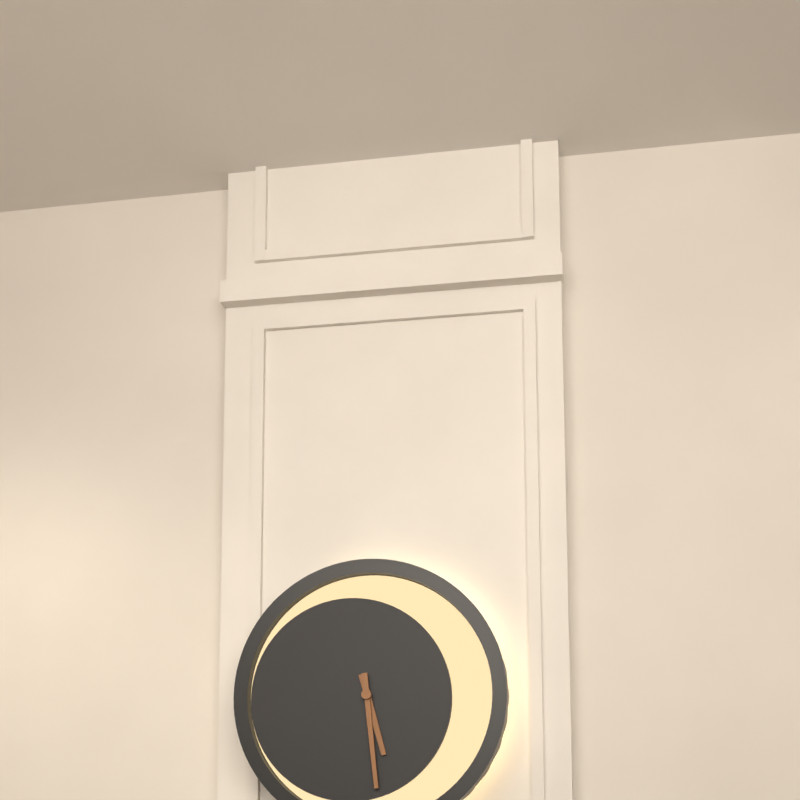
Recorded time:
{"hour": 5, "minute": 29}
